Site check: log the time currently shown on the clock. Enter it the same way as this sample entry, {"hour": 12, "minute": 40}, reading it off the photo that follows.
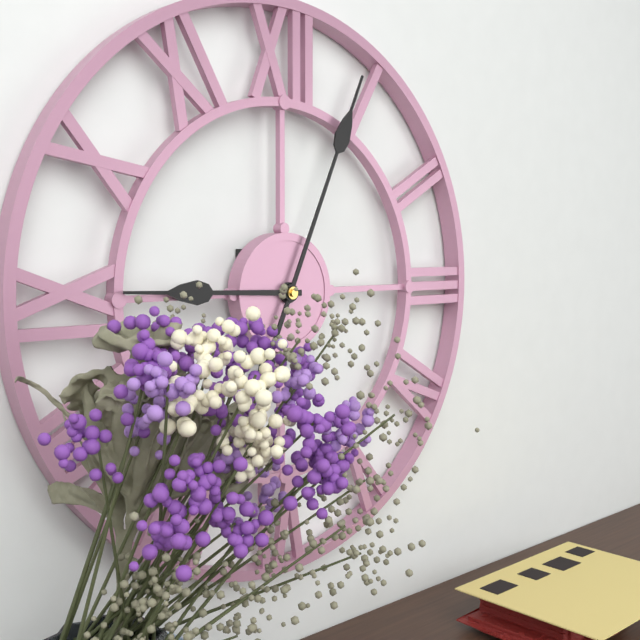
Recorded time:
{"hour": 9, "minute": 4}
